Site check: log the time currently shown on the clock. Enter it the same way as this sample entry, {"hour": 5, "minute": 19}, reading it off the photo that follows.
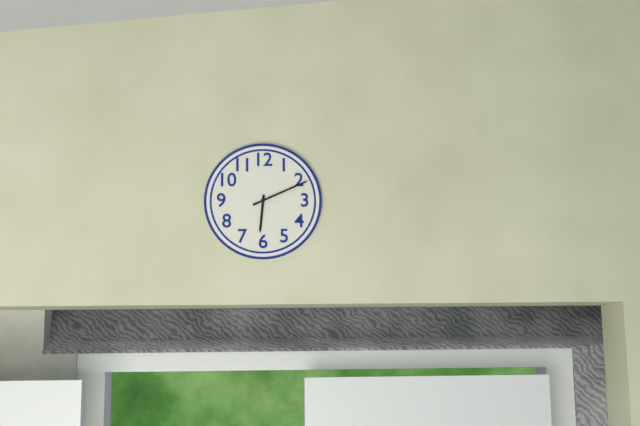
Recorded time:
{"hour": 6, "minute": 11}
